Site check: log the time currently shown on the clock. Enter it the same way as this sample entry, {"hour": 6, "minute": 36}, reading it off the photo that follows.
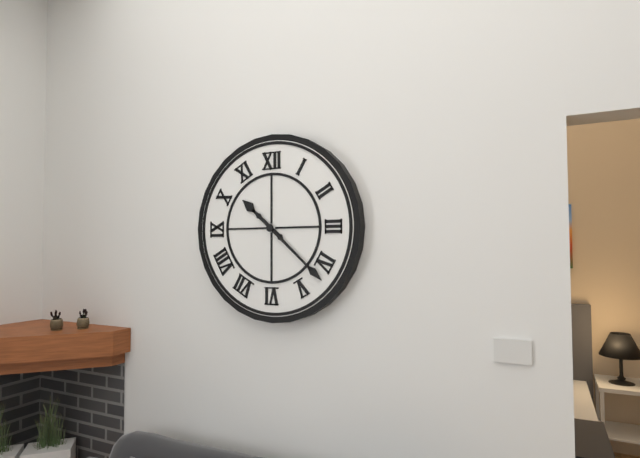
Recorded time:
{"hour": 10, "minute": 22}
